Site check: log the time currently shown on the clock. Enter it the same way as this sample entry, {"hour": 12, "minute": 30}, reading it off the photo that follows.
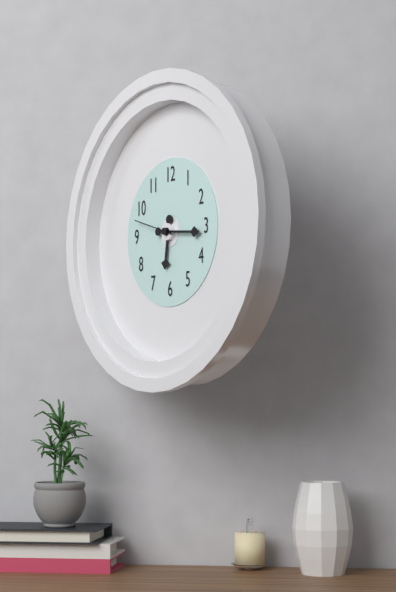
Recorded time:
{"hour": 6, "minute": 16}
